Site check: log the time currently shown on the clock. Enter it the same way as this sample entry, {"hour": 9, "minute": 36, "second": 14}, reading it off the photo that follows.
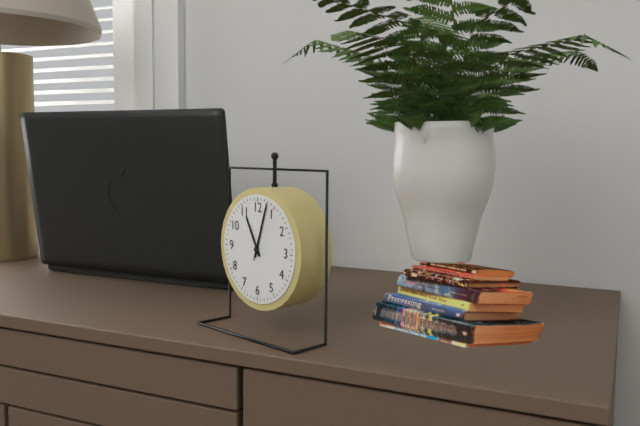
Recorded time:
{"hour": 11, "minute": 3, "second": 3}
